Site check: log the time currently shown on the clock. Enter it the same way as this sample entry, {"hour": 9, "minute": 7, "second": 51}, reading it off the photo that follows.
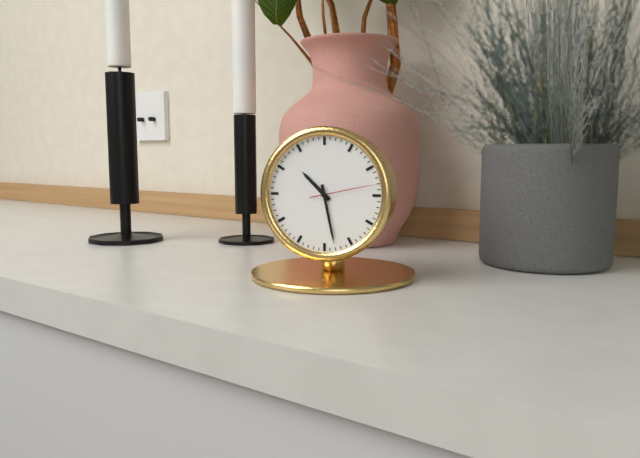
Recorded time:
{"hour": 10, "minute": 28, "second": 13}
